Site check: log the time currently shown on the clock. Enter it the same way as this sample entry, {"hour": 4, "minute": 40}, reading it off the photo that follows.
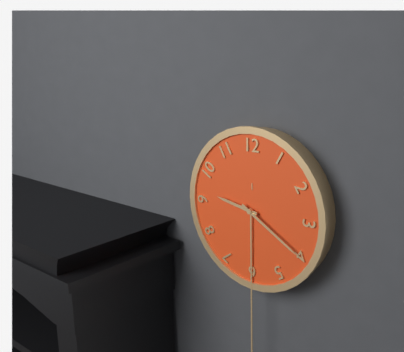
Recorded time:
{"hour": 9, "minute": 20}
